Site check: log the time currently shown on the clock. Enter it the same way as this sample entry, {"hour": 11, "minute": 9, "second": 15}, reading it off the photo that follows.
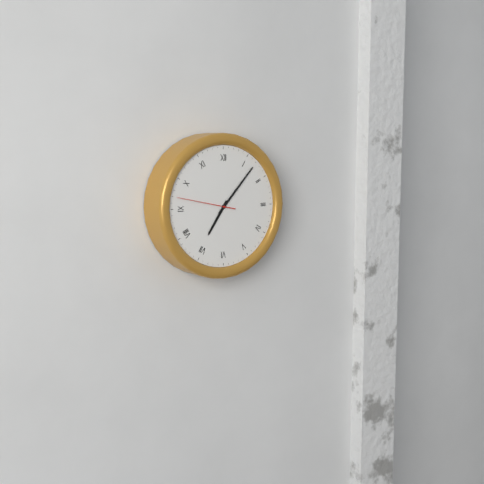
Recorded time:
{"hour": 7, "minute": 7, "second": 47}
